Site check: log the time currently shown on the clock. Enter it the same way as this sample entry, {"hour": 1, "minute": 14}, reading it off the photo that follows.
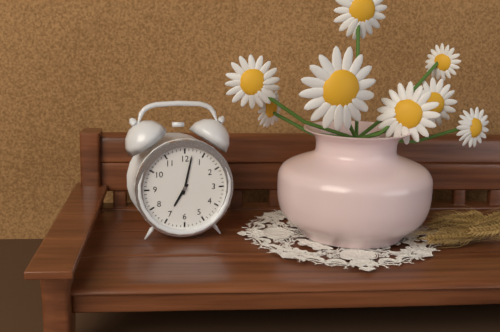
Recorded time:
{"hour": 7, "minute": 2}
